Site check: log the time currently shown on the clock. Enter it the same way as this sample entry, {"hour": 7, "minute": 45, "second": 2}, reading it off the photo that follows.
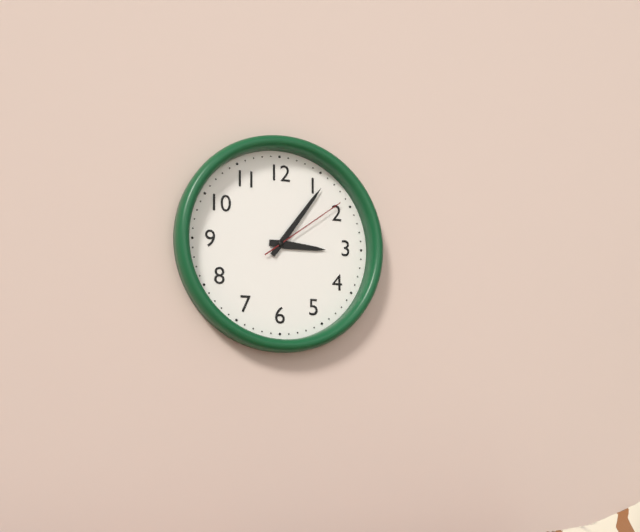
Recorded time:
{"hour": 3, "minute": 6, "second": 9}
